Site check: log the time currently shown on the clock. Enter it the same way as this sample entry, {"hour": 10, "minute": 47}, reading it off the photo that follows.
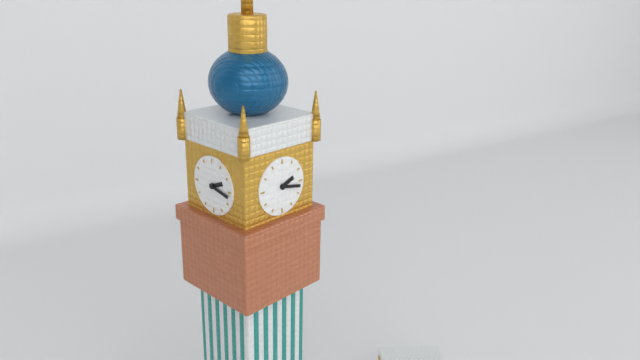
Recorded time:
{"hour": 2, "minute": 17}
